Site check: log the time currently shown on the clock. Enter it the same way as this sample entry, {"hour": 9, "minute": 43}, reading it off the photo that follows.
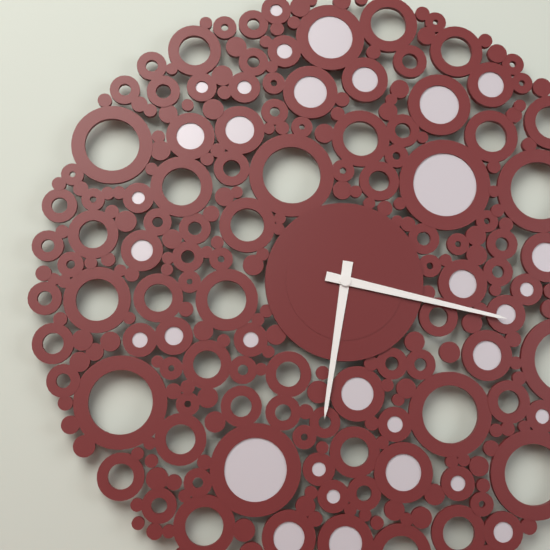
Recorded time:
{"hour": 6, "minute": 17}
